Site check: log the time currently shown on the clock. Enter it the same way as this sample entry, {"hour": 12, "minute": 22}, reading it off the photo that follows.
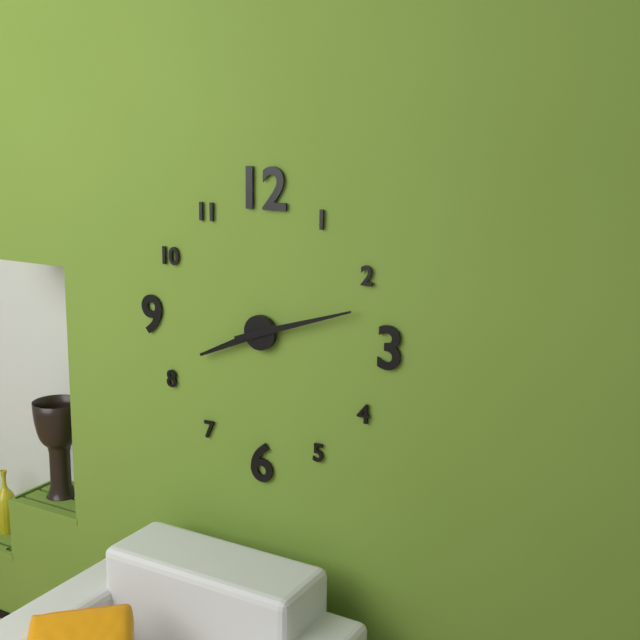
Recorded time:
{"hour": 8, "minute": 12}
